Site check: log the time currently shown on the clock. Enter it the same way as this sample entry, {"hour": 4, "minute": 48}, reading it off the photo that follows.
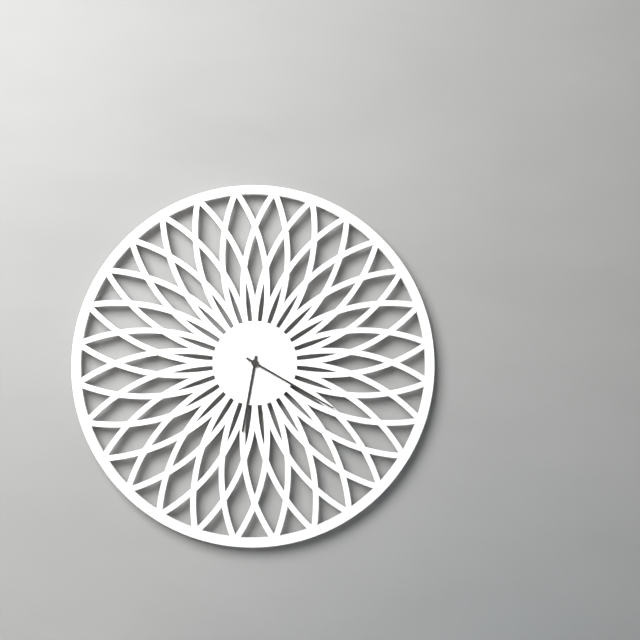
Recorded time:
{"hour": 6, "minute": 20}
